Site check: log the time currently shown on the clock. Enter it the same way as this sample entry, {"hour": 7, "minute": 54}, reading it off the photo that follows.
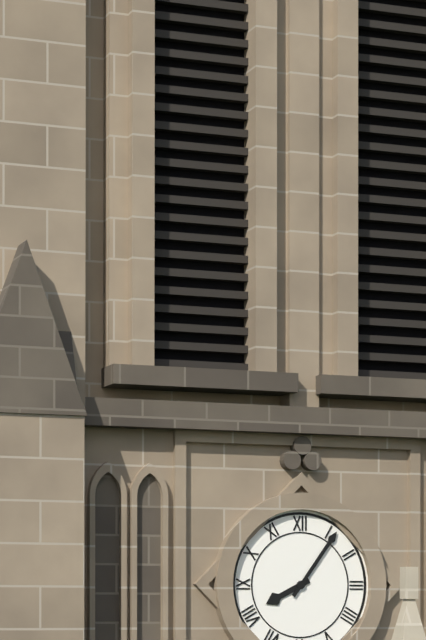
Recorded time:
{"hour": 8, "minute": 6}
